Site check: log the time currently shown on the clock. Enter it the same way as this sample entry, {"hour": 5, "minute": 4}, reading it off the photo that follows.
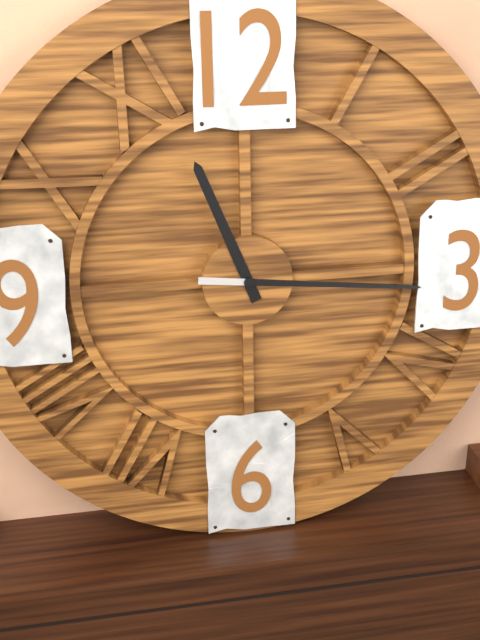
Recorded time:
{"hour": 11, "minute": 16}
